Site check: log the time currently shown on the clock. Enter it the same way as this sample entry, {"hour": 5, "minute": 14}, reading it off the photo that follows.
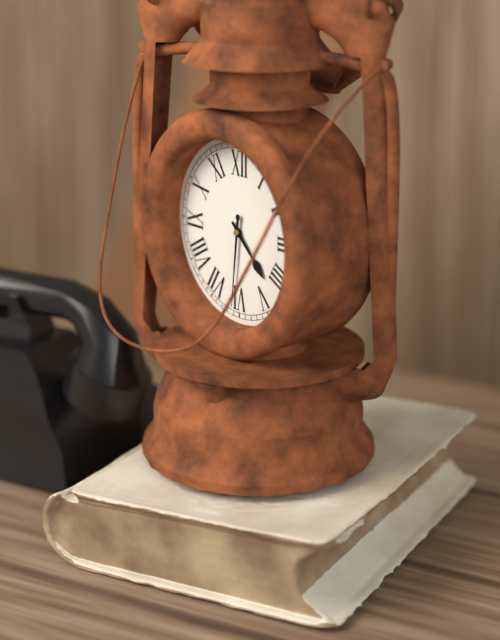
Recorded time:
{"hour": 4, "minute": 31}
